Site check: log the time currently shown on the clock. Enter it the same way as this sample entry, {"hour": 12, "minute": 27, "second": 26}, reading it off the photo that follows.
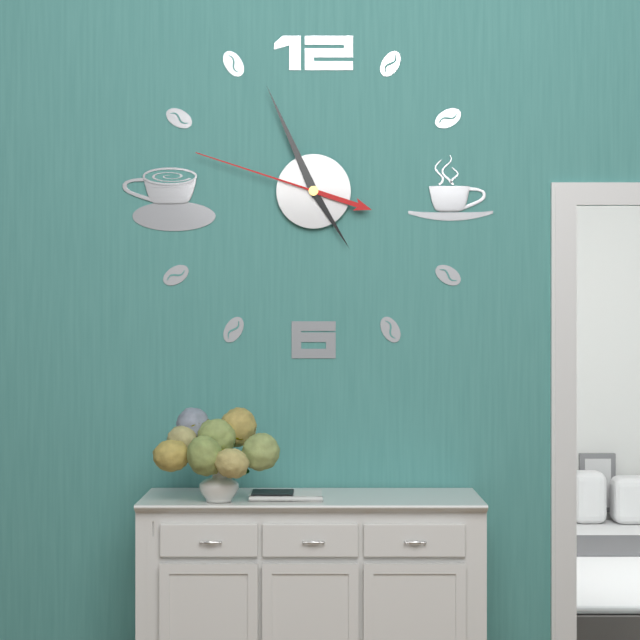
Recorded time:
{"hour": 4, "minute": 56, "second": 48}
